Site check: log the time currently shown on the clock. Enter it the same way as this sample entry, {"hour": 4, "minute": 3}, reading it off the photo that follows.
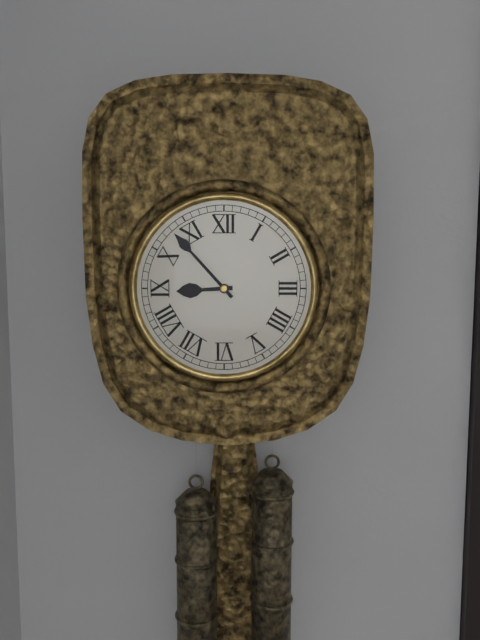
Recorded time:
{"hour": 8, "minute": 53}
